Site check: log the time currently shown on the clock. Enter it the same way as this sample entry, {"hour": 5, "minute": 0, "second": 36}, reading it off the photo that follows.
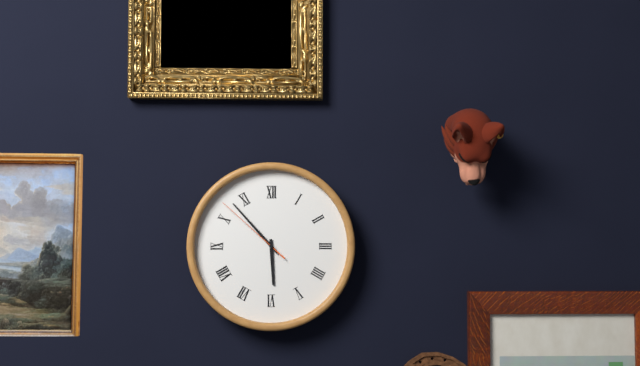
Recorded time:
{"hour": 5, "minute": 53, "second": 52}
